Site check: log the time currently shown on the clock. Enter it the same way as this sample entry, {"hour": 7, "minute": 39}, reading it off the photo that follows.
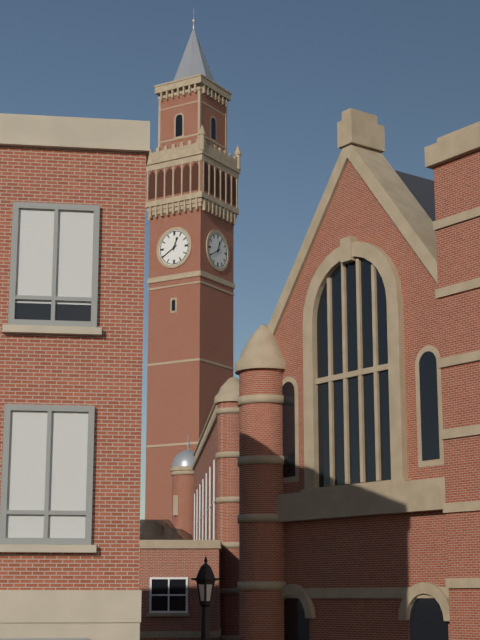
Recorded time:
{"hour": 12, "minute": 40}
